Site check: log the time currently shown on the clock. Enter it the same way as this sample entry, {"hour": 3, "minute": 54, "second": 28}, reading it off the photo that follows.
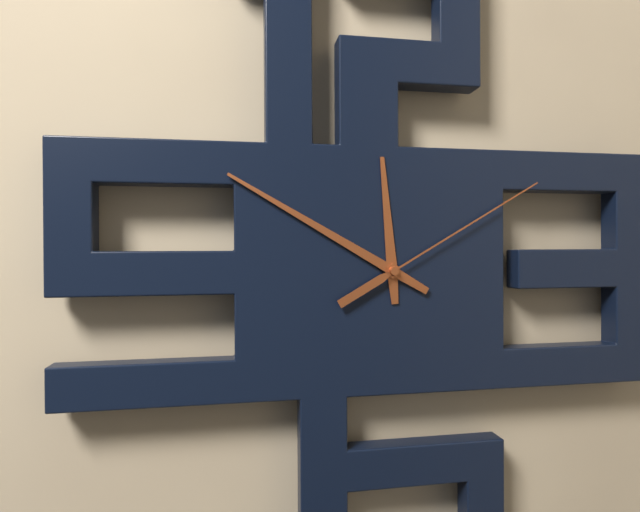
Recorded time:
{"hour": 11, "minute": 50, "second": 10}
